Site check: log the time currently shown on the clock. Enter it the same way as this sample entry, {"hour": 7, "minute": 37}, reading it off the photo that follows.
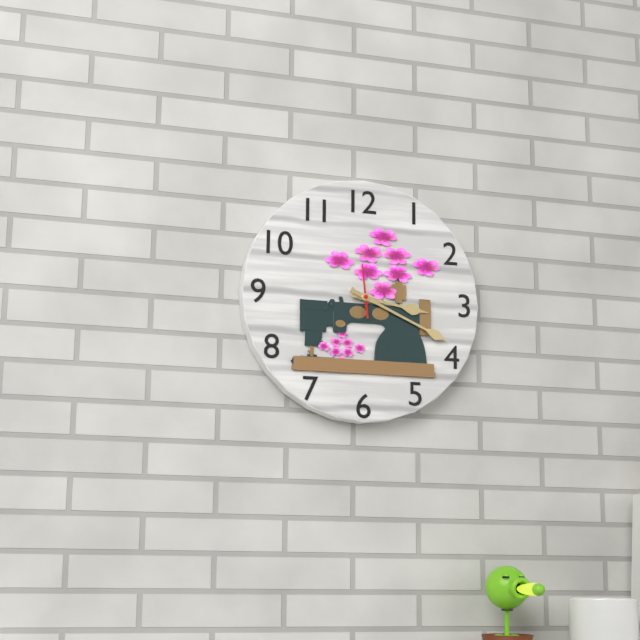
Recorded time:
{"hour": 3, "minute": 19}
